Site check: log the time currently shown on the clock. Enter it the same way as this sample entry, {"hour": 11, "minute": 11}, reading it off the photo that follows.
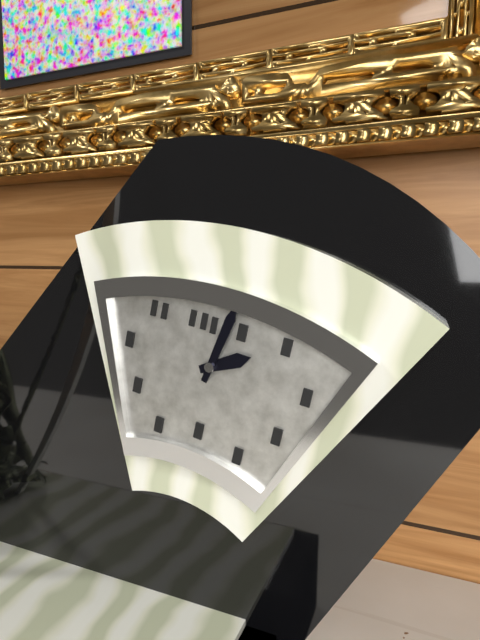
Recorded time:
{"hour": 2, "minute": 2}
